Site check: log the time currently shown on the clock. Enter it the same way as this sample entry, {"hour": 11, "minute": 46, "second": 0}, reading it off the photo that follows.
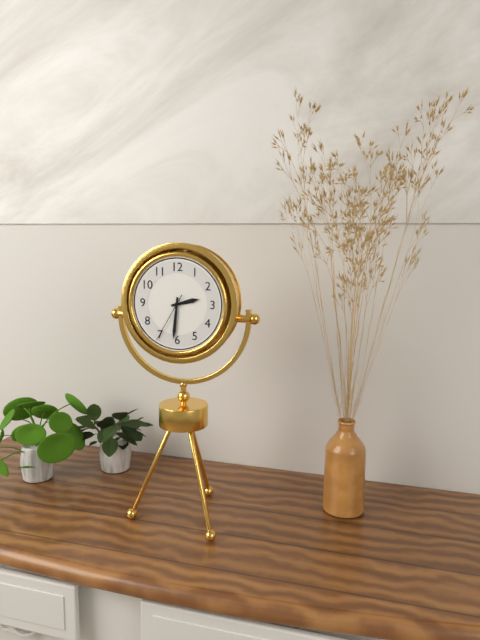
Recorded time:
{"hour": 2, "minute": 31, "second": 35}
